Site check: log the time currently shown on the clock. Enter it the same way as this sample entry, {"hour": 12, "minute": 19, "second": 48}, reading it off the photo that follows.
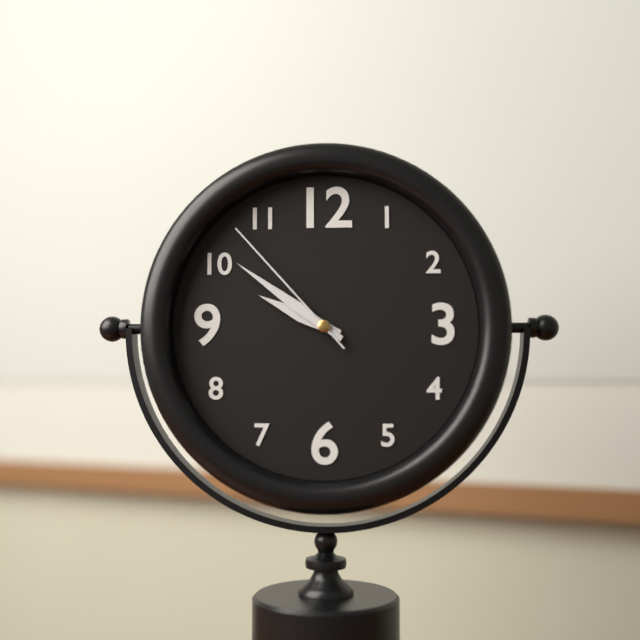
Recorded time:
{"hour": 9, "minute": 51, "second": 53}
